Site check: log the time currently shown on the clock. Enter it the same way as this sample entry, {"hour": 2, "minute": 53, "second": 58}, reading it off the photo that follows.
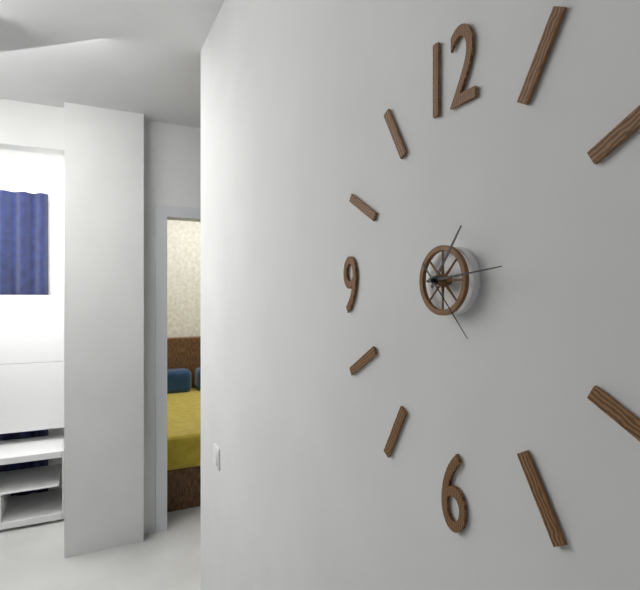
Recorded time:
{"hour": 1, "minute": 14, "second": 23}
